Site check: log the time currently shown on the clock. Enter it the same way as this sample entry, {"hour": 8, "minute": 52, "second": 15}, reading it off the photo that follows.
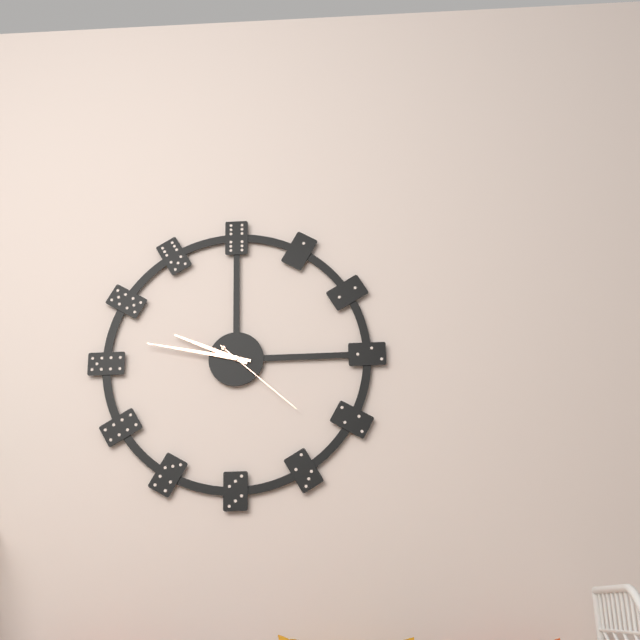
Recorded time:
{"hour": 9, "minute": 47, "second": 22}
